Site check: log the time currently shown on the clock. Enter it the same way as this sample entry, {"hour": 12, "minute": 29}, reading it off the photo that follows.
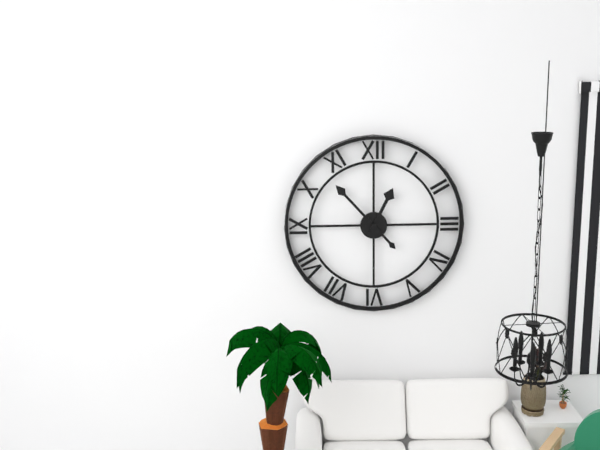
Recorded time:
{"hour": 12, "minute": 53}
